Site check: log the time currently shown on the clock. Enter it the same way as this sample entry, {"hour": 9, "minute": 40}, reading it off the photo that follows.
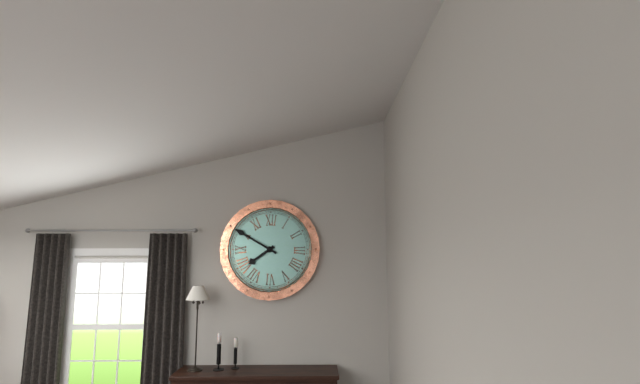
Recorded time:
{"hour": 7, "minute": 50}
